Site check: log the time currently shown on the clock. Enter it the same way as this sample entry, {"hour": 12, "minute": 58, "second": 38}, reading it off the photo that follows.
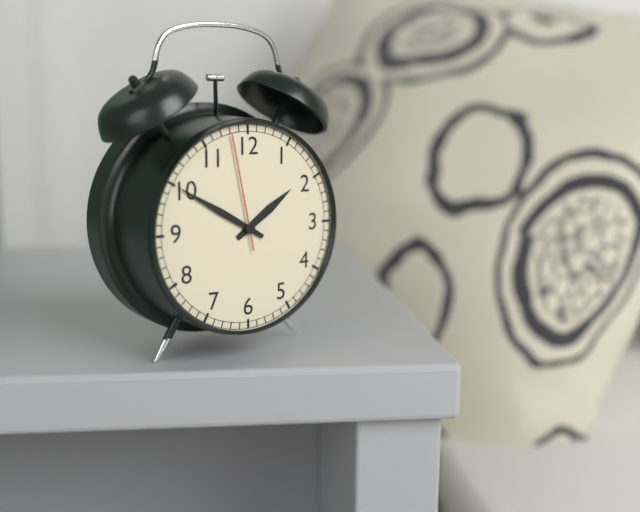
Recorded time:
{"hour": 1, "minute": 50, "second": 58}
